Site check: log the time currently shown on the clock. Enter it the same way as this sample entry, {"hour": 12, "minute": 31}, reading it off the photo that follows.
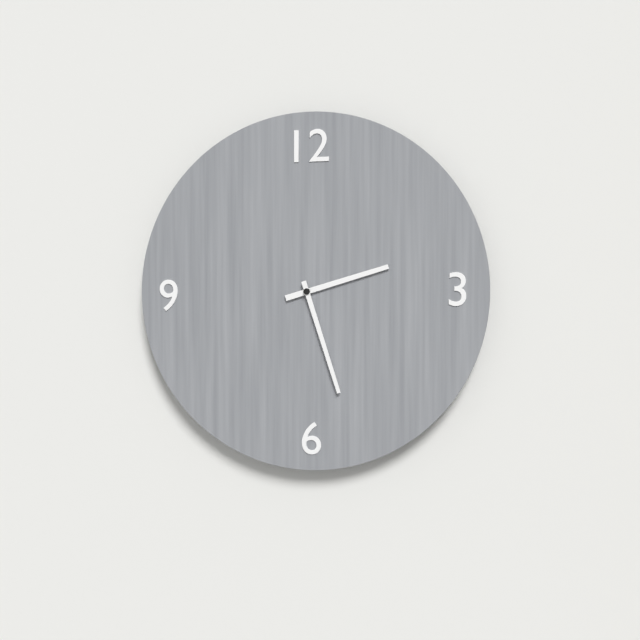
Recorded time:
{"hour": 2, "minute": 27}
